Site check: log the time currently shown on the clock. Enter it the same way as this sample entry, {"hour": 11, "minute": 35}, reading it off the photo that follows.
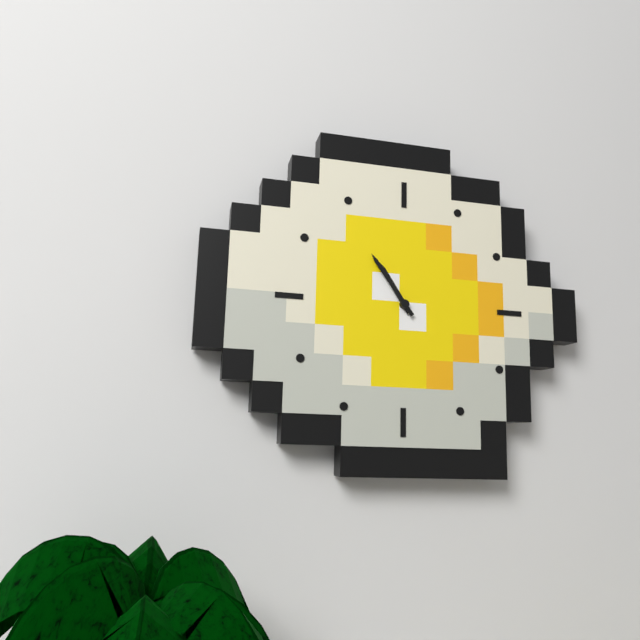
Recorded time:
{"hour": 10, "minute": 54}
